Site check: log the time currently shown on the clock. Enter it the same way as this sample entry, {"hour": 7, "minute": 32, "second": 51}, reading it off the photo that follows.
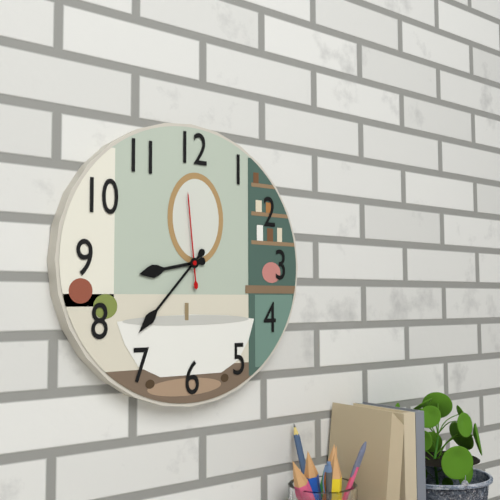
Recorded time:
{"hour": 8, "minute": 37, "second": 59}
